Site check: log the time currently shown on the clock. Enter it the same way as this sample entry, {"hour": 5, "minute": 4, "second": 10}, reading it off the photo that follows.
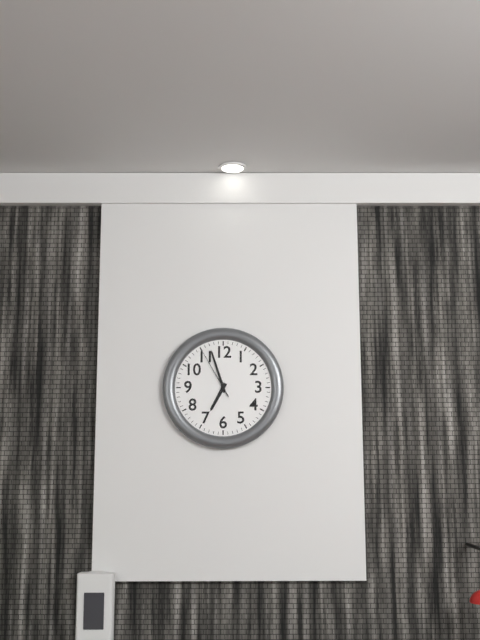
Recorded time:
{"hour": 6, "minute": 57, "second": 55}
